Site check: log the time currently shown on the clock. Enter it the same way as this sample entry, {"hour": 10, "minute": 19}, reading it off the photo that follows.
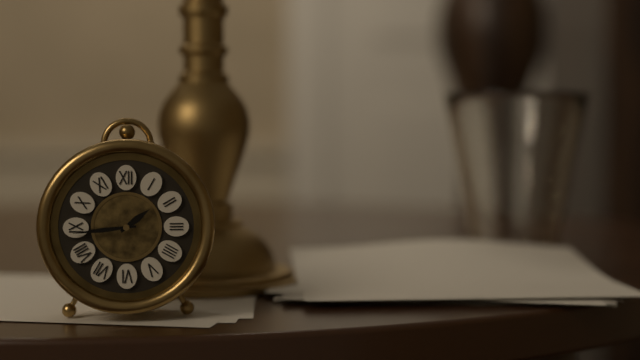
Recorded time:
{"hour": 1, "minute": 44}
